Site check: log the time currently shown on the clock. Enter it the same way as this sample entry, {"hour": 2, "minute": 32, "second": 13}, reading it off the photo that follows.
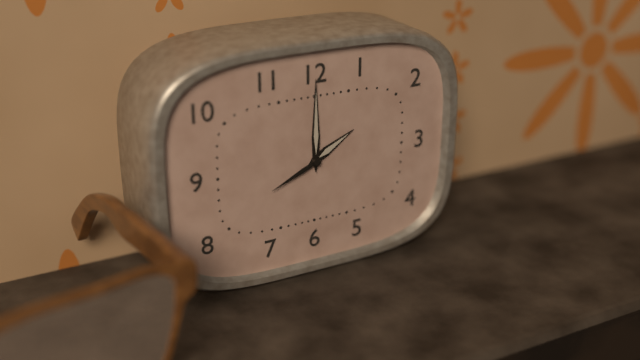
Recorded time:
{"hour": 2, "minute": 0, "second": 41}
